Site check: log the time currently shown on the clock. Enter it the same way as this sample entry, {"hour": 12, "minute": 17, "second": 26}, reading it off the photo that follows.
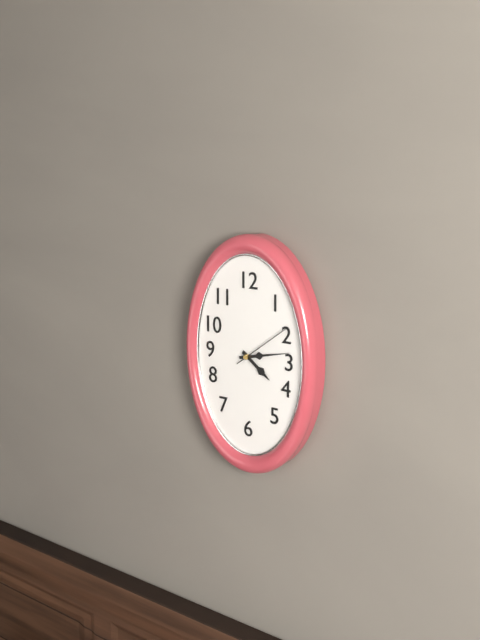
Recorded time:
{"hour": 4, "minute": 13, "second": 9}
